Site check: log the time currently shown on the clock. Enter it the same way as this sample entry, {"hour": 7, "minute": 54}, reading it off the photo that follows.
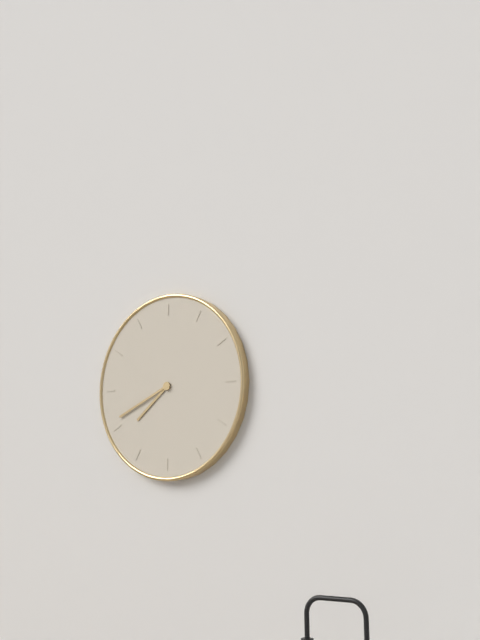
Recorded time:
{"hour": 7, "minute": 41}
